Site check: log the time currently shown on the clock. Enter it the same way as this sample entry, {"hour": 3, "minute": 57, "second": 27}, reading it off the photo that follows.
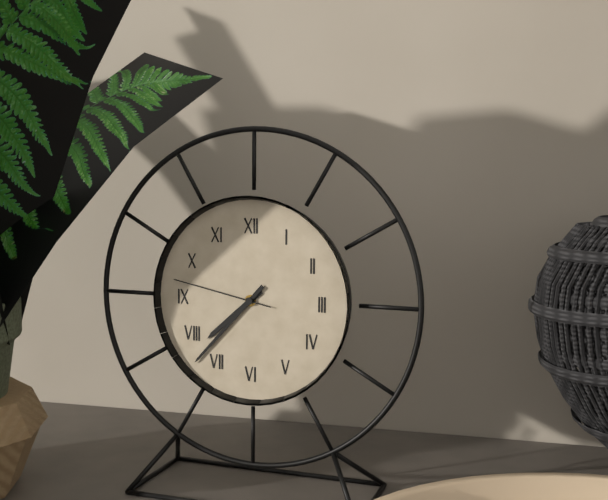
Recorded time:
{"hour": 7, "minute": 37, "second": 47}
